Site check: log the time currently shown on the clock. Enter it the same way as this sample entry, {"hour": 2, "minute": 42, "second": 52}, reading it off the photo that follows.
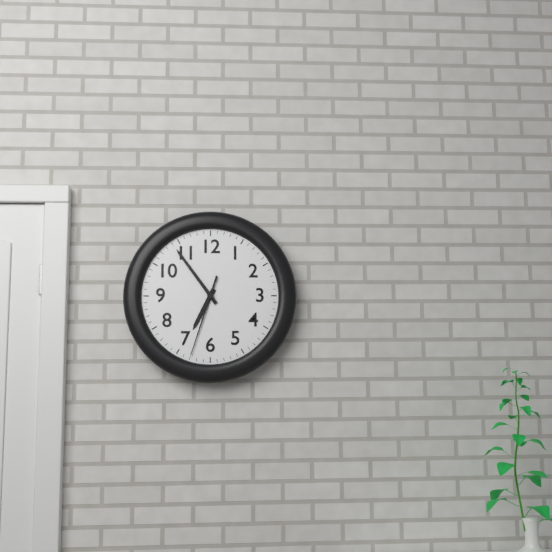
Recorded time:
{"hour": 6, "minute": 54, "second": 33}
